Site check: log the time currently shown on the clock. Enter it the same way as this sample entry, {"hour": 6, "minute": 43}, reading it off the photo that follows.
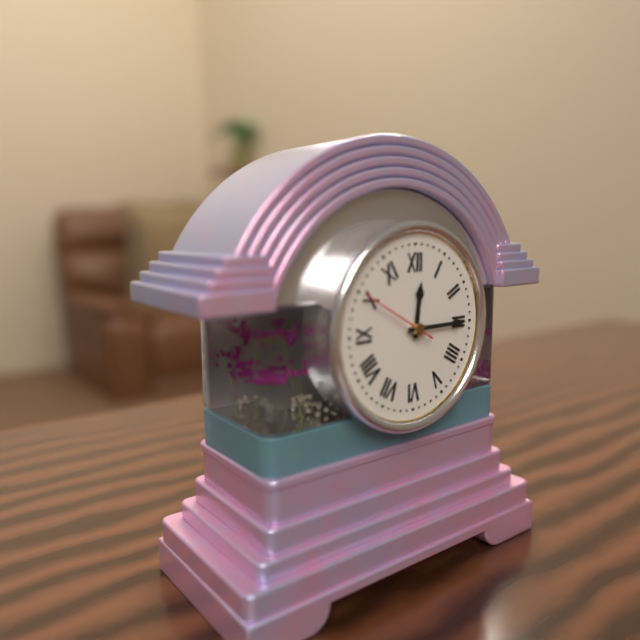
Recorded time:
{"hour": 12, "minute": 15}
